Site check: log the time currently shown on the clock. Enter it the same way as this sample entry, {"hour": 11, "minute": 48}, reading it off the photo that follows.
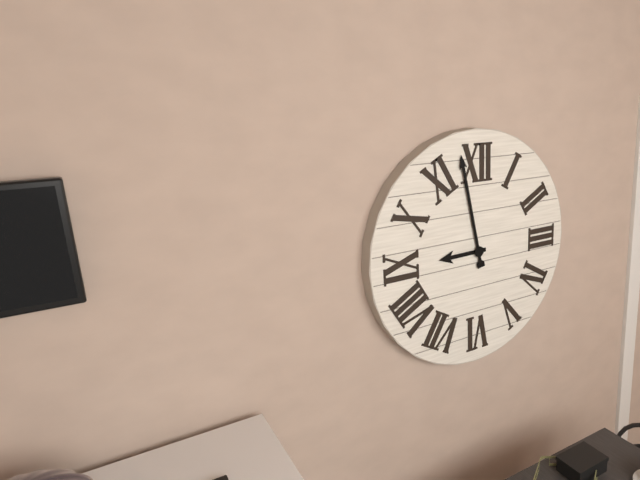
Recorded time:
{"hour": 8, "minute": 58}
